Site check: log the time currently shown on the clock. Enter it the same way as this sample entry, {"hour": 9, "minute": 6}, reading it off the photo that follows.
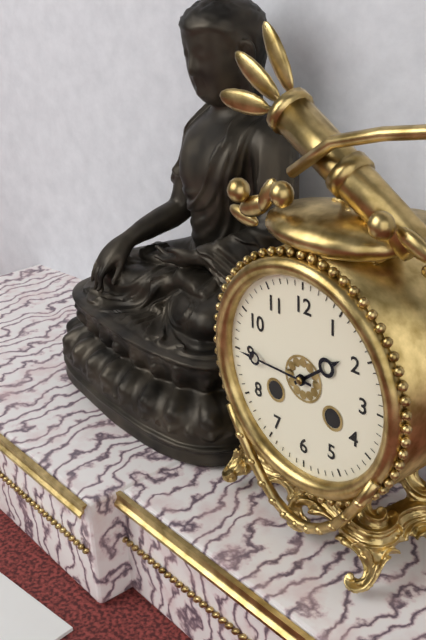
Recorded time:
{"hour": 1, "minute": 45}
